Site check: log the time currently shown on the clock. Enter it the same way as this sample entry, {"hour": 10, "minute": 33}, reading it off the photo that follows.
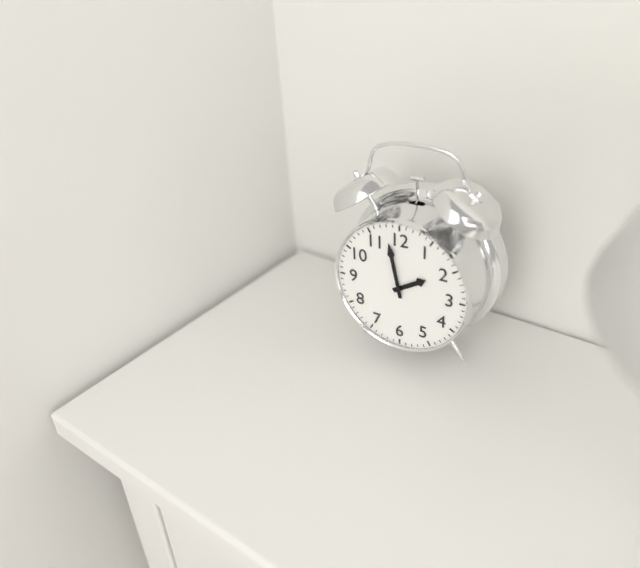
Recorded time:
{"hour": 1, "minute": 58}
